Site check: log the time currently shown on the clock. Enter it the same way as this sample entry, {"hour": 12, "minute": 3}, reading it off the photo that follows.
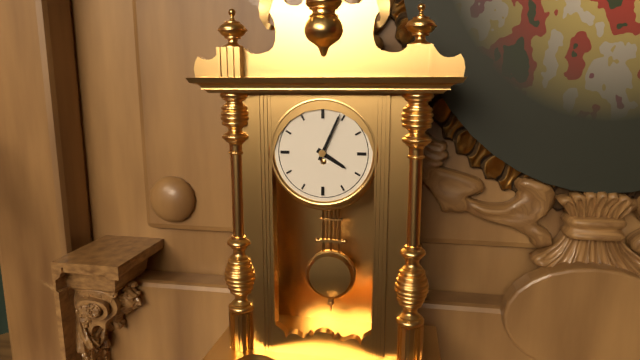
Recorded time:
{"hour": 4, "minute": 4}
